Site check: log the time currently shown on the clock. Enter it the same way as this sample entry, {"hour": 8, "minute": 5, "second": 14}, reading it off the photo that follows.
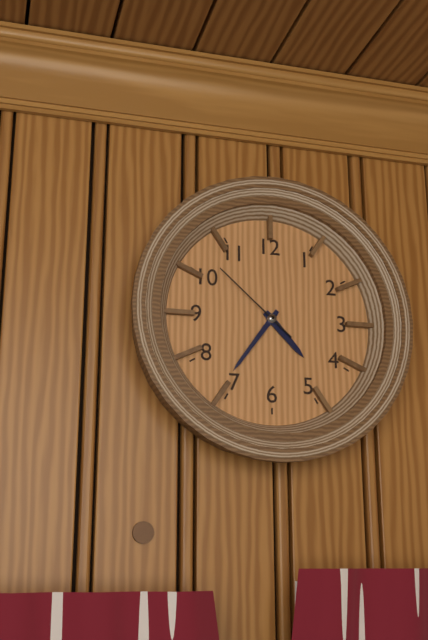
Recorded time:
{"hour": 4, "minute": 36, "second": 52}
